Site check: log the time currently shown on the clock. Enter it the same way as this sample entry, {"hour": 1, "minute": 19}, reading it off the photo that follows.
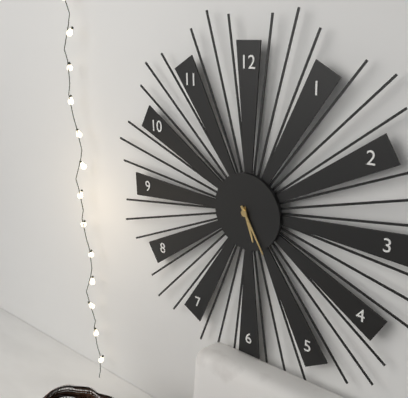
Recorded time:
{"hour": 5, "minute": 25}
